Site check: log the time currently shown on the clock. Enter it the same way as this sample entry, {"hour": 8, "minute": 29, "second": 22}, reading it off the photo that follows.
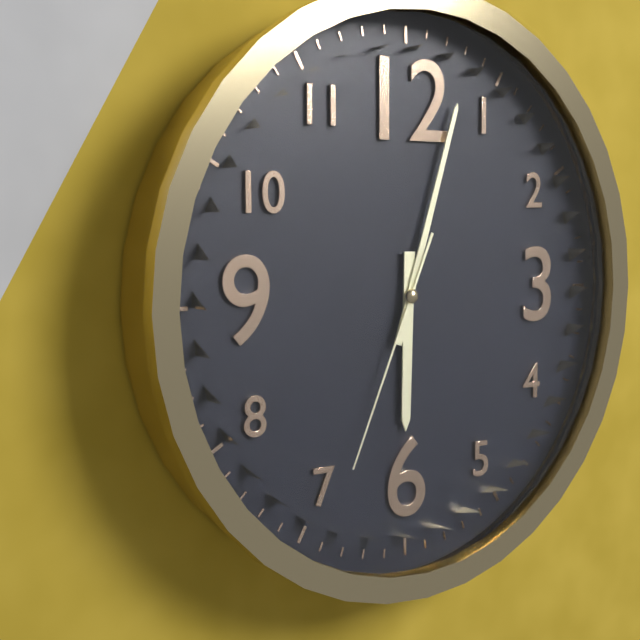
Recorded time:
{"hour": 6, "minute": 3, "second": 34}
